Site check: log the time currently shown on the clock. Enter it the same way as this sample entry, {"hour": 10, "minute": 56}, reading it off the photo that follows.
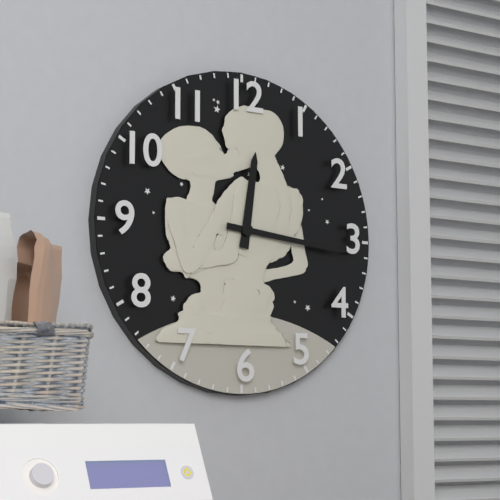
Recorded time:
{"hour": 12, "minute": 16}
